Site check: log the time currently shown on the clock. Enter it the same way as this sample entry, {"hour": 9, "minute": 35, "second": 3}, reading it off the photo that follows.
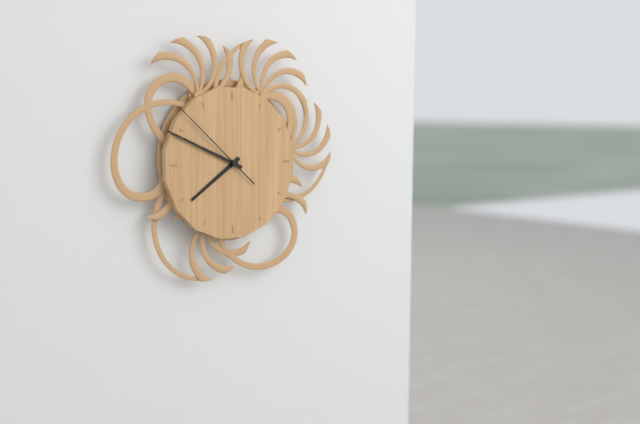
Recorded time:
{"hour": 7, "minute": 49, "second": 52}
